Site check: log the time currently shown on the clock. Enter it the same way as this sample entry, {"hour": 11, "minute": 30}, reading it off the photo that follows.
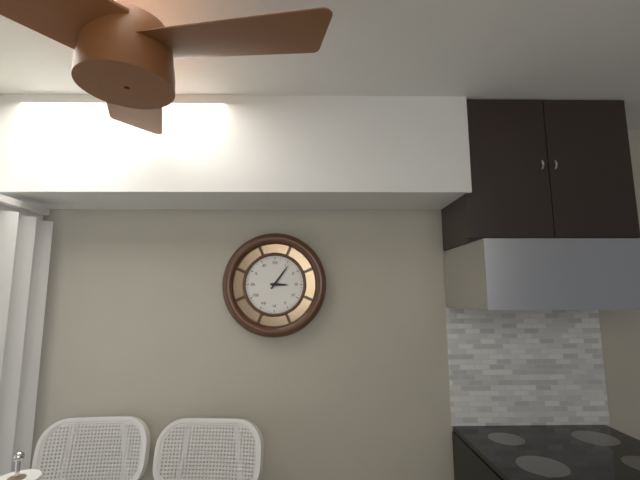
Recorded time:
{"hour": 3, "minute": 6}
